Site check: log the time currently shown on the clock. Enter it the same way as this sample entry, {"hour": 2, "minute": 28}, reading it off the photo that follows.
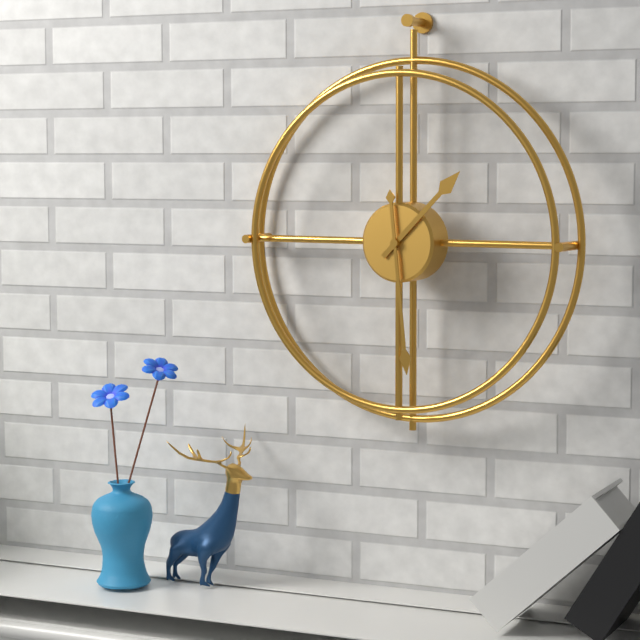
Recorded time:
{"hour": 1, "minute": 29}
